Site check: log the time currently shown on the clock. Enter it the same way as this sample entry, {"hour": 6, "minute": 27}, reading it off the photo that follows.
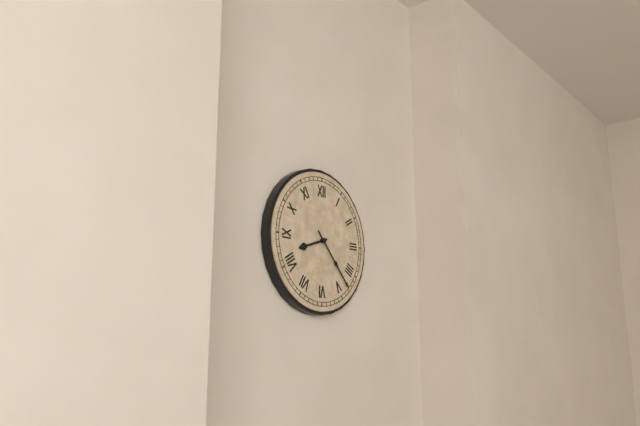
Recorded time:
{"hour": 8, "minute": 23}
